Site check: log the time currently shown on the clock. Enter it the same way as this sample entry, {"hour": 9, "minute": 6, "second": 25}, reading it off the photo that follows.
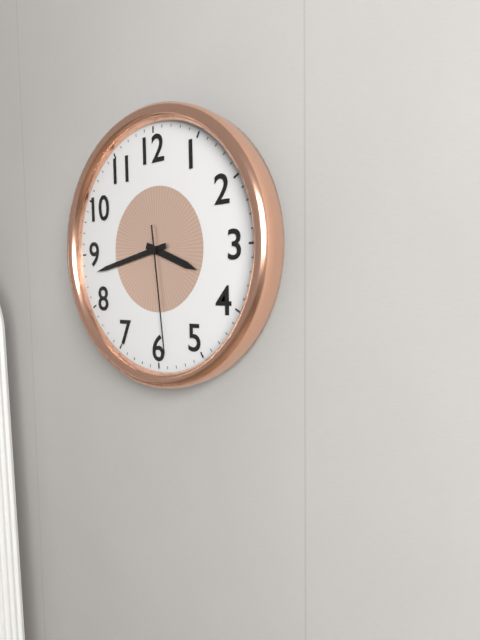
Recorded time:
{"hour": 3, "minute": 43, "second": 29}
